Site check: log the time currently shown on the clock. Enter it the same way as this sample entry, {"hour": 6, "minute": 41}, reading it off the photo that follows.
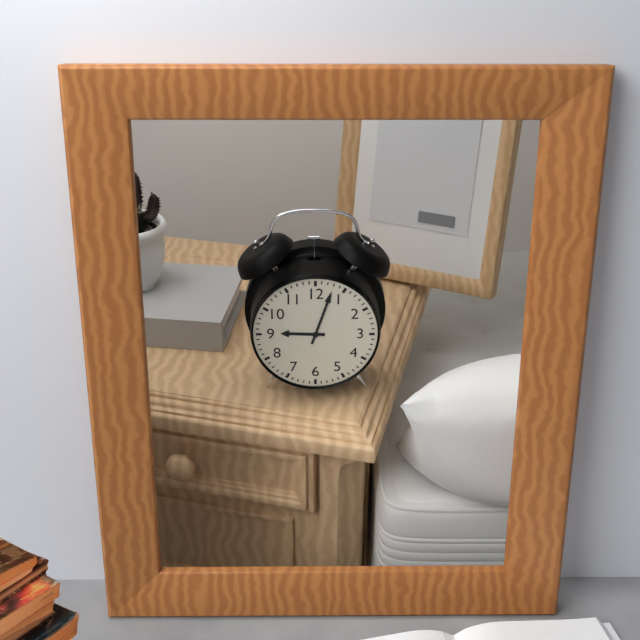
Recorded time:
{"hour": 9, "minute": 3}
